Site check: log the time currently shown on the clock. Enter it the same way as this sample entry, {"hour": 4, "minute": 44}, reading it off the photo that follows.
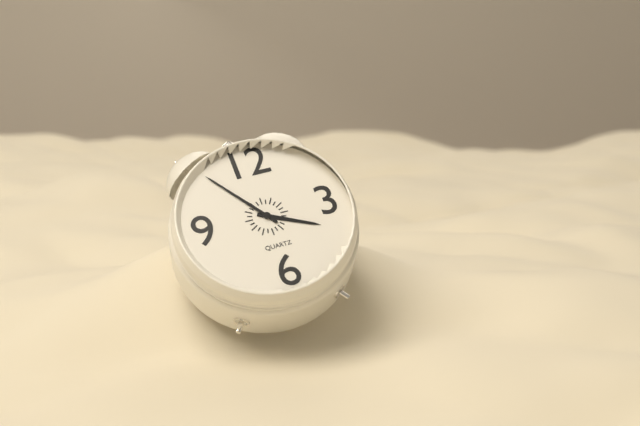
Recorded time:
{"hour": 3, "minute": 54}
